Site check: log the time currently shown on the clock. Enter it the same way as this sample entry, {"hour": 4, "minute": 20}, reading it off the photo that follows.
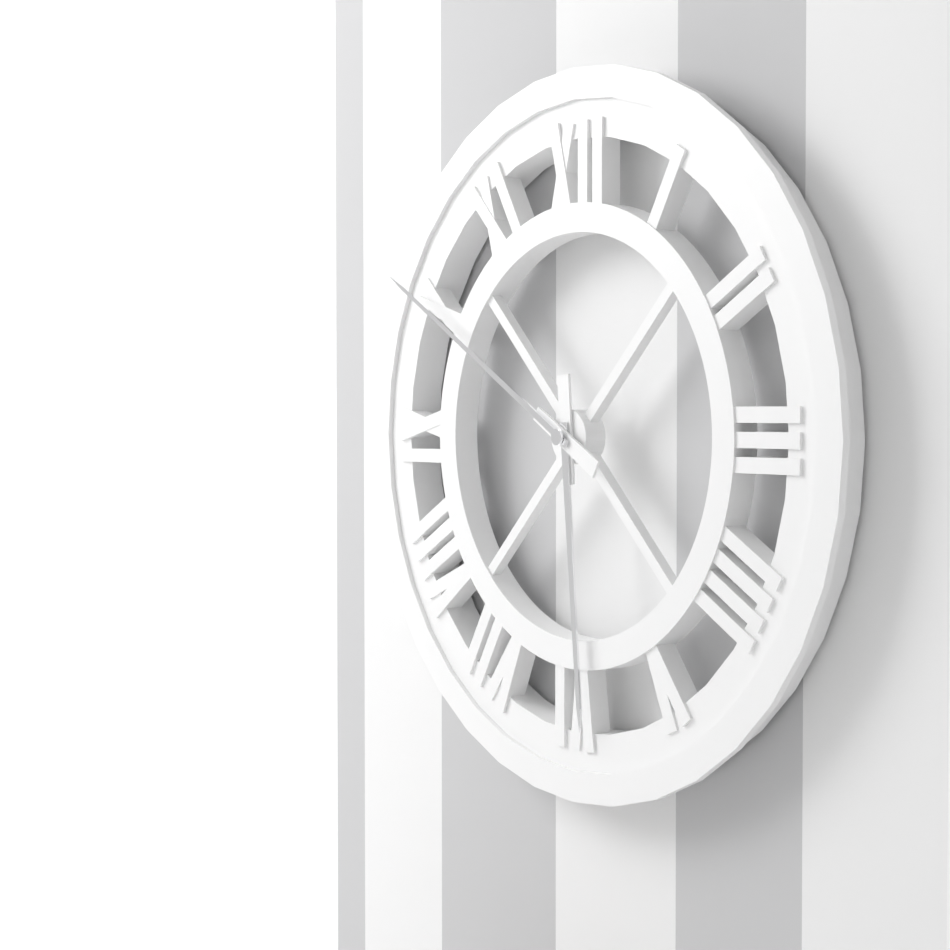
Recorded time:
{"hour": 5, "minute": 50}
